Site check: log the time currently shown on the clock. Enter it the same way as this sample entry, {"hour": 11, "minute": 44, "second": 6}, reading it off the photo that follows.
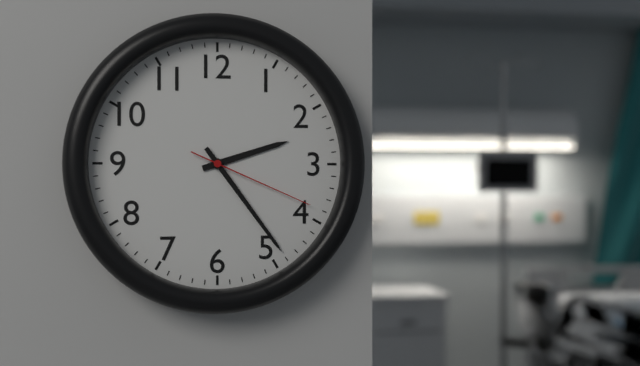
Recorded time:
{"hour": 2, "minute": 24, "second": 19}
